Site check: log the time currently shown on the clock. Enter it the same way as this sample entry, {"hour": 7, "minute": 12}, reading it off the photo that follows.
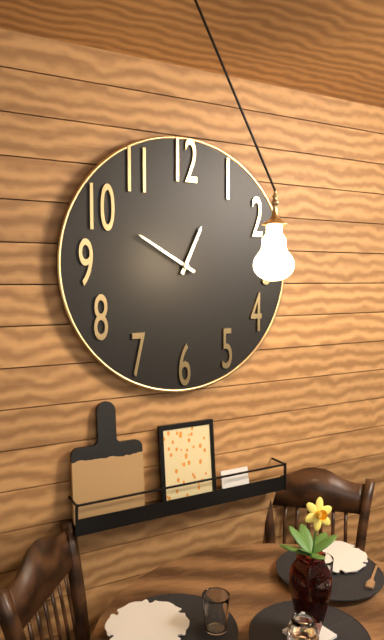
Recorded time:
{"hour": 12, "minute": 50}
